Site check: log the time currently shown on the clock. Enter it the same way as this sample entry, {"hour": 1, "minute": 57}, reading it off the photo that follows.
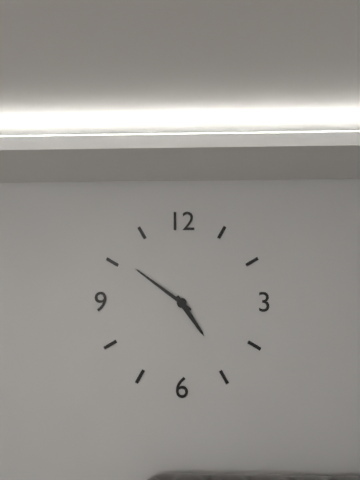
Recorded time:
{"hour": 4, "minute": 51}
